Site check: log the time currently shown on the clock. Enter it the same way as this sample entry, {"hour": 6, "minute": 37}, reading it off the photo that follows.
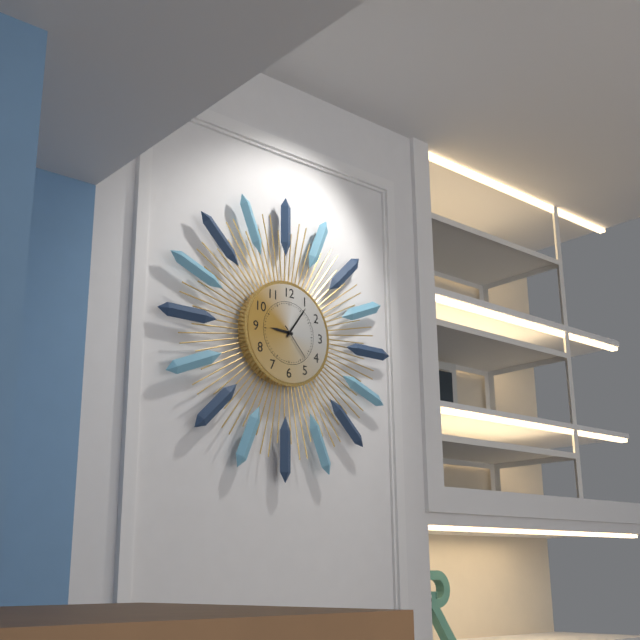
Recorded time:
{"hour": 9, "minute": 6}
